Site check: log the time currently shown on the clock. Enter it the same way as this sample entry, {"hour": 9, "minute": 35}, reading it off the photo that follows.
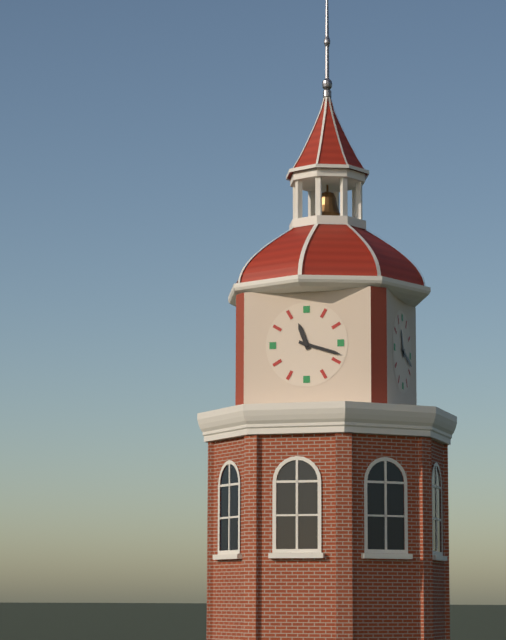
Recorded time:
{"hour": 11, "minute": 18}
